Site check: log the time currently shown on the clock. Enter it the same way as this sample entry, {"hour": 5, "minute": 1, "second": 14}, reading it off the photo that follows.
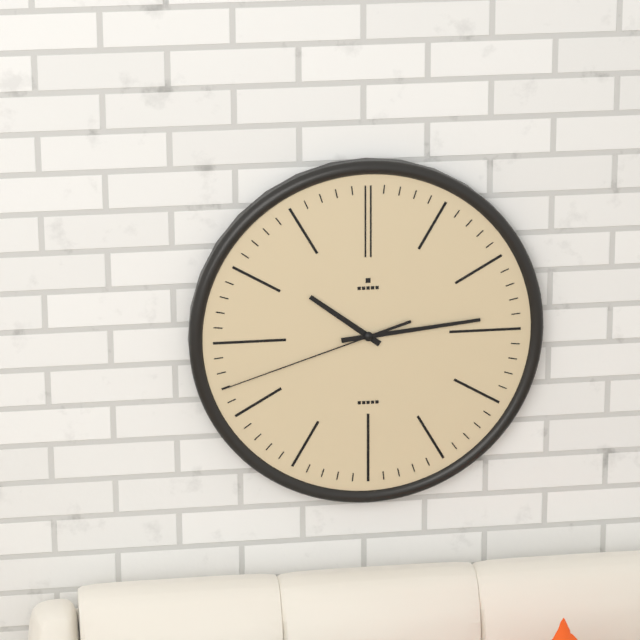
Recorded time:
{"hour": 10, "minute": 14, "second": 42}
